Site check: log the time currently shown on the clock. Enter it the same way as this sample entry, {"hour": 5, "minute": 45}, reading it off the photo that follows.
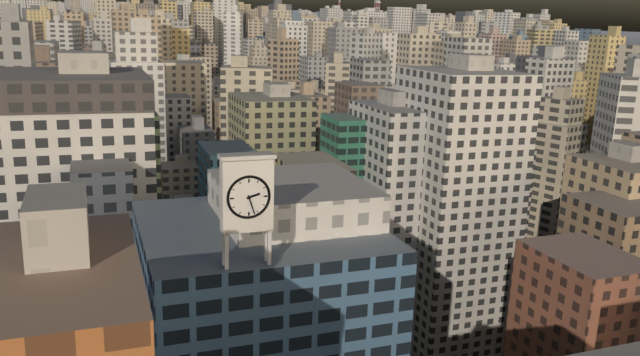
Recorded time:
{"hour": 2, "minute": 27}
